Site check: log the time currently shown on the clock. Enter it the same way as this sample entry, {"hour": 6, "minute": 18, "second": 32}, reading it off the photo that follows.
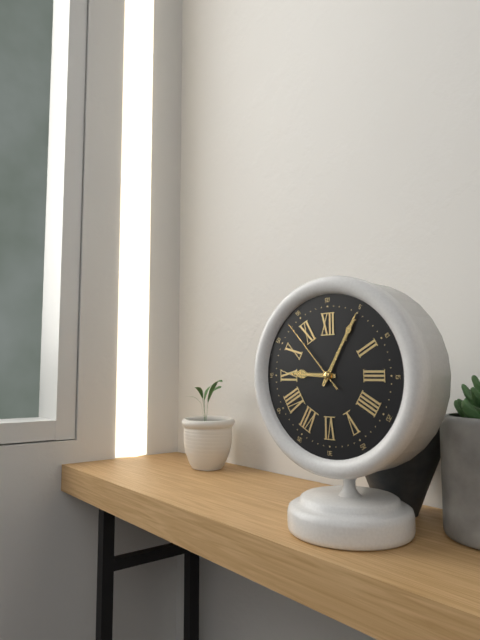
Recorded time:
{"hour": 9, "minute": 5, "second": 53}
